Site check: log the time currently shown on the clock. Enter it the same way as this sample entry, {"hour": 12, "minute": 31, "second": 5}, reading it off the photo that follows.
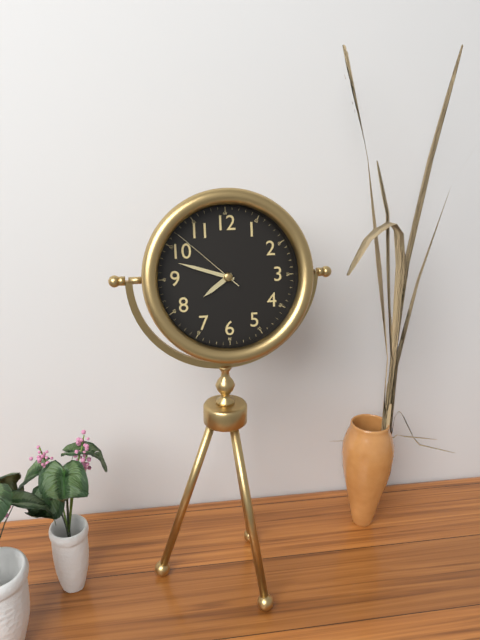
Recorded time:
{"hour": 7, "minute": 48, "second": 52}
